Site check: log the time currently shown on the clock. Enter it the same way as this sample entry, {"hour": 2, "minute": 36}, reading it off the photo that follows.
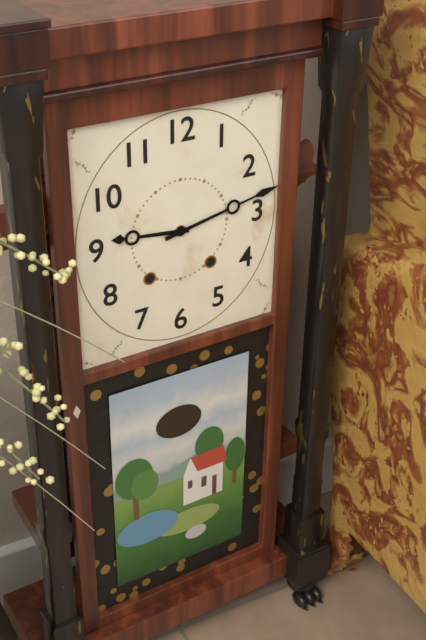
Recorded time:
{"hour": 9, "minute": 13}
